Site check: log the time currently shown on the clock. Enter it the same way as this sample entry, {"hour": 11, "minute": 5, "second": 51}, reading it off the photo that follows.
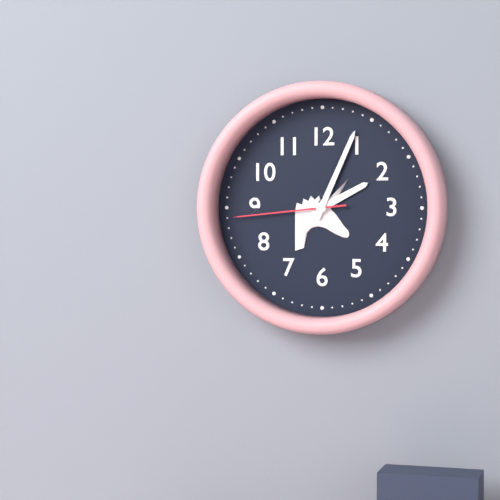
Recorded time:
{"hour": 2, "minute": 4, "second": 44}
